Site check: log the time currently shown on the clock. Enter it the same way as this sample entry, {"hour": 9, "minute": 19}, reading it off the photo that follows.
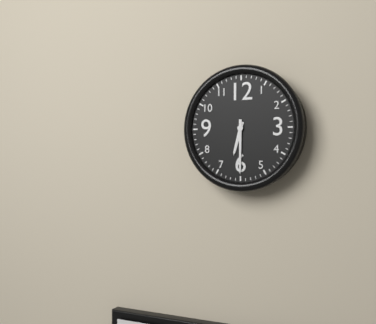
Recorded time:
{"hour": 6, "minute": 30}
